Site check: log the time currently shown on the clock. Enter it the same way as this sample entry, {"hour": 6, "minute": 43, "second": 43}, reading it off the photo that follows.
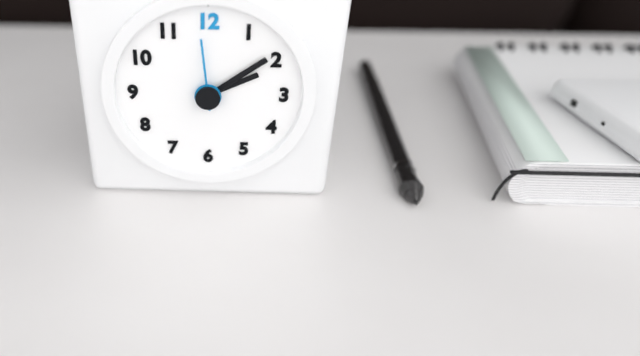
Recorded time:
{"hour": 2, "minute": 9, "second": 59}
